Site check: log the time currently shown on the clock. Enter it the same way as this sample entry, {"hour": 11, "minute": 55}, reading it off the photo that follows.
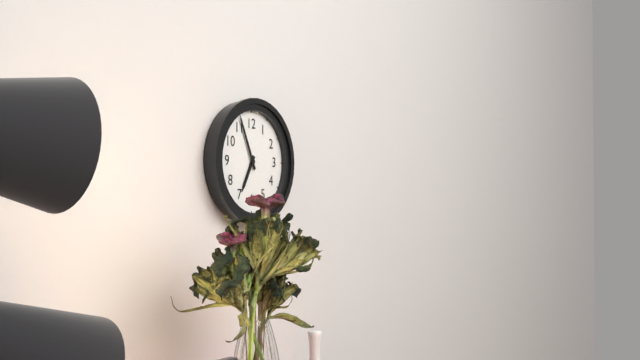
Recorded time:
{"hour": 6, "minute": 56}
